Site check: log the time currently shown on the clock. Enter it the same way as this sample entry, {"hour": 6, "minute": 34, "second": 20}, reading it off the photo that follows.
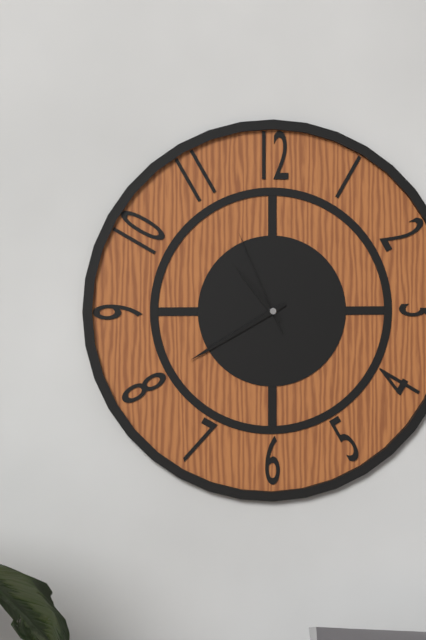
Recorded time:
{"hour": 10, "minute": 40, "second": 56}
